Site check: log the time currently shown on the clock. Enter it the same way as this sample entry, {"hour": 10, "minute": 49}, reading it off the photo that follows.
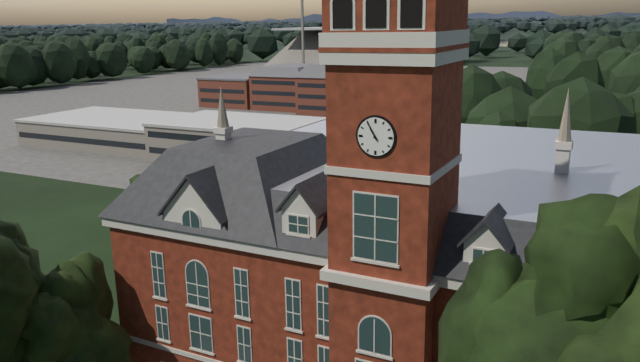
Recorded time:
{"hour": 10, "minute": 55}
